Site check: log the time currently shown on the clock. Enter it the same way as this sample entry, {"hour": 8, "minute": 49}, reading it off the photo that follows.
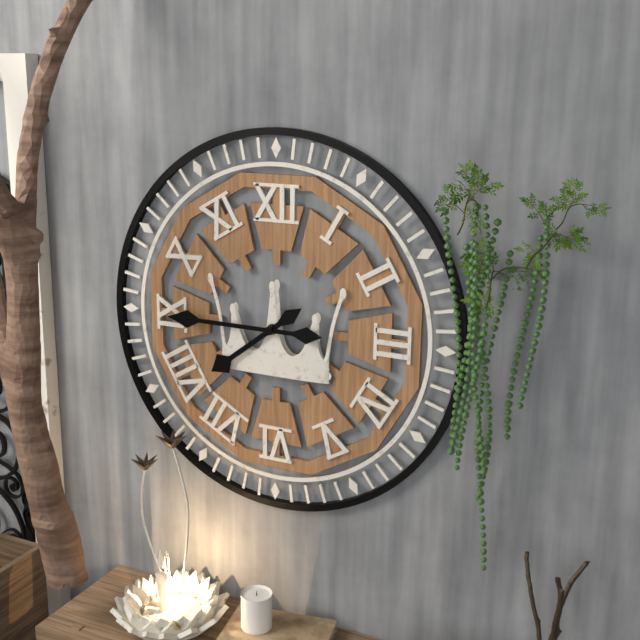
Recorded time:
{"hour": 7, "minute": 45}
